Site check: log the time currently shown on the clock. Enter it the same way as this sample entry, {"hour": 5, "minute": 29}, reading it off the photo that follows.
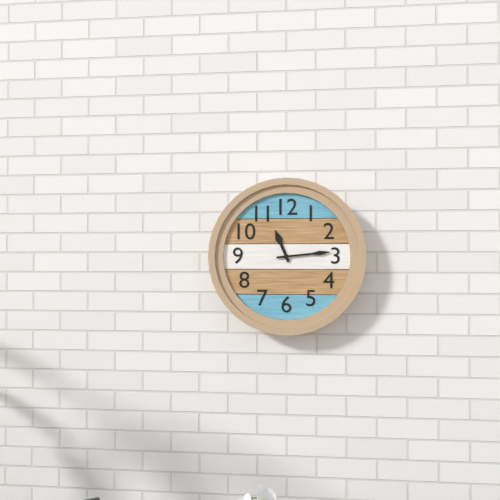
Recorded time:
{"hour": 11, "minute": 14}
